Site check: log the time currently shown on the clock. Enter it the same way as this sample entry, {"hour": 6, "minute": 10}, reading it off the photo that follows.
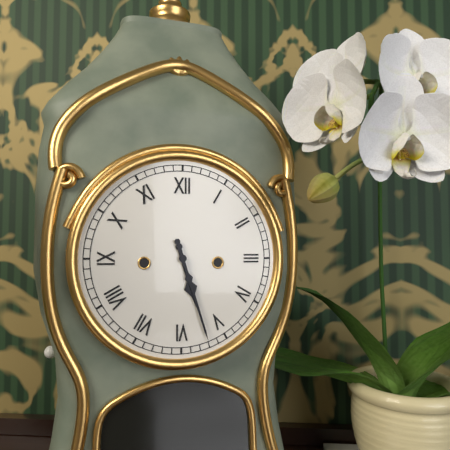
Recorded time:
{"hour": 5, "minute": 27}
